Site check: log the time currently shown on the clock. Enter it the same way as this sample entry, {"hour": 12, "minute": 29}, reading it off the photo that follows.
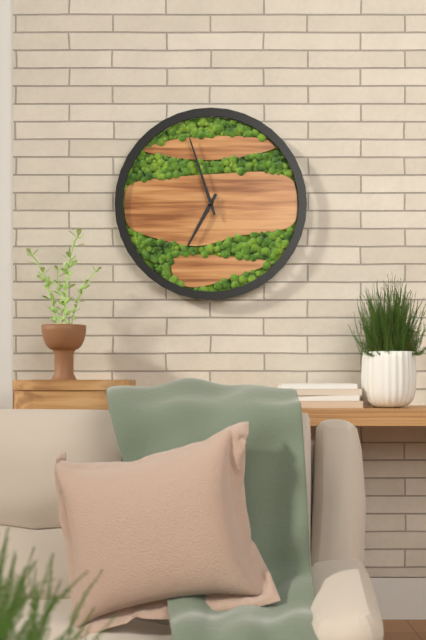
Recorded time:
{"hour": 6, "minute": 57}
